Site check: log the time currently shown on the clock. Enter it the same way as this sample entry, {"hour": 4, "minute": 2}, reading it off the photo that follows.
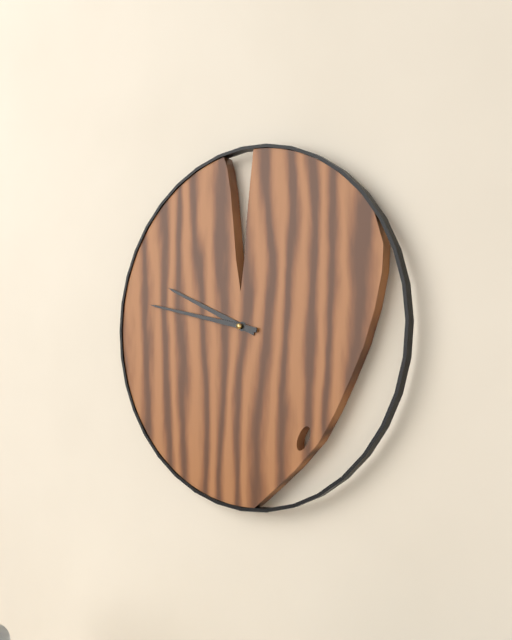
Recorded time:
{"hour": 9, "minute": 47}
